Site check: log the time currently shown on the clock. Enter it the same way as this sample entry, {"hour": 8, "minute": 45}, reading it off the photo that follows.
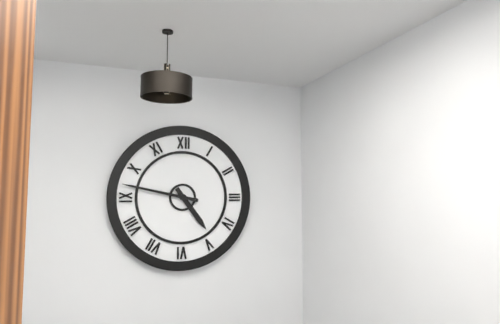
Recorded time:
{"hour": 4, "minute": 47}
